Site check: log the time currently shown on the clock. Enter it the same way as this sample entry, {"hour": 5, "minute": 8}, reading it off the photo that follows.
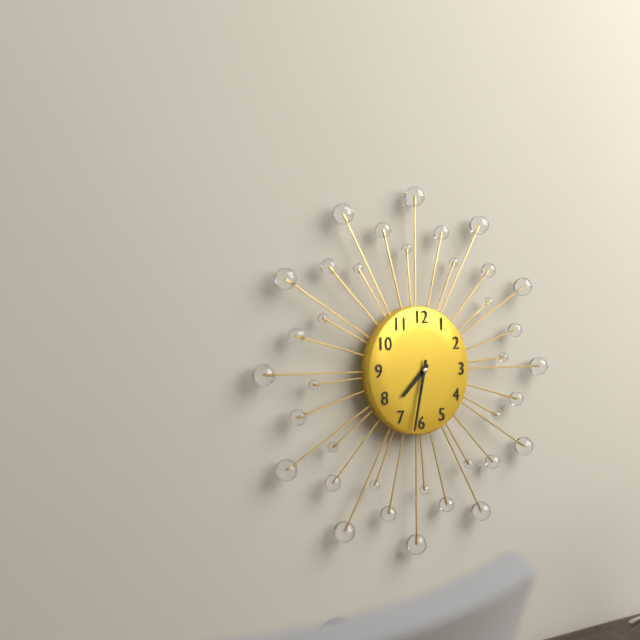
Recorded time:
{"hour": 7, "minute": 32}
